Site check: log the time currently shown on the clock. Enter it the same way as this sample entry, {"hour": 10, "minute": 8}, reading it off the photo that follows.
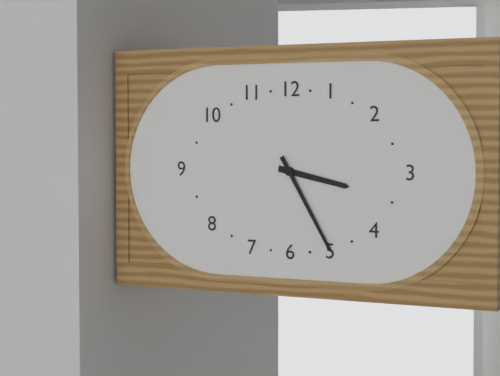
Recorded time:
{"hour": 3, "minute": 25}
